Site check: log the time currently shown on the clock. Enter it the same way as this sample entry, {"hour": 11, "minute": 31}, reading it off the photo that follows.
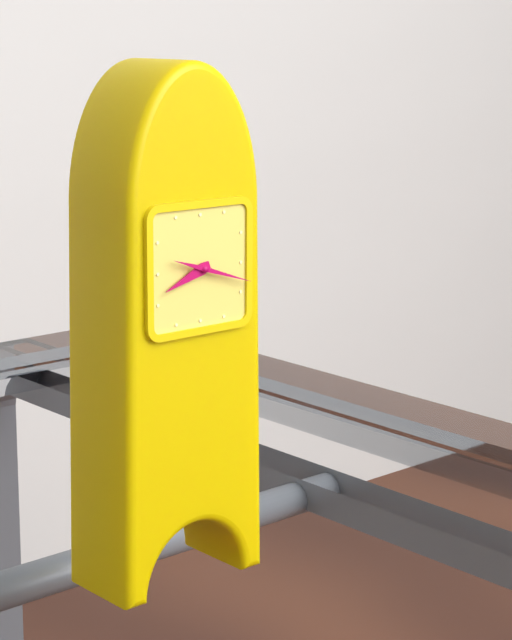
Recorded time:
{"hour": 8, "minute": 18}
